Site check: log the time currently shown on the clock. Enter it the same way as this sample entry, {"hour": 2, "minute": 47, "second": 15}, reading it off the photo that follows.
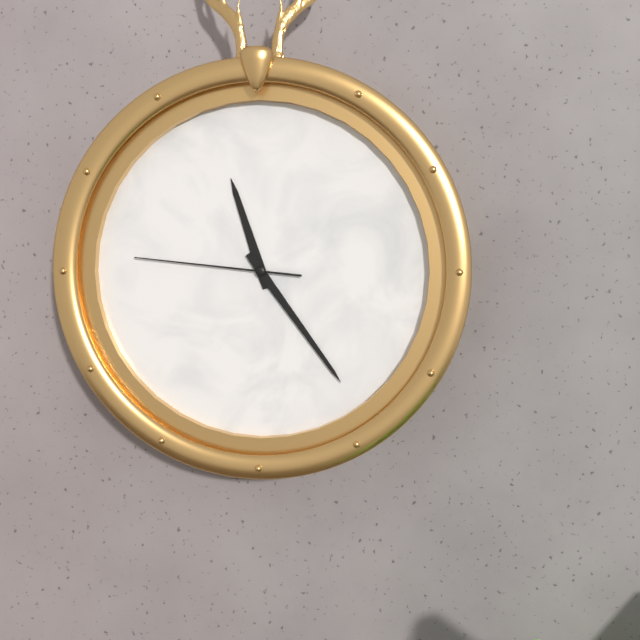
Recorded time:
{"hour": 11, "minute": 24, "second": 46}
